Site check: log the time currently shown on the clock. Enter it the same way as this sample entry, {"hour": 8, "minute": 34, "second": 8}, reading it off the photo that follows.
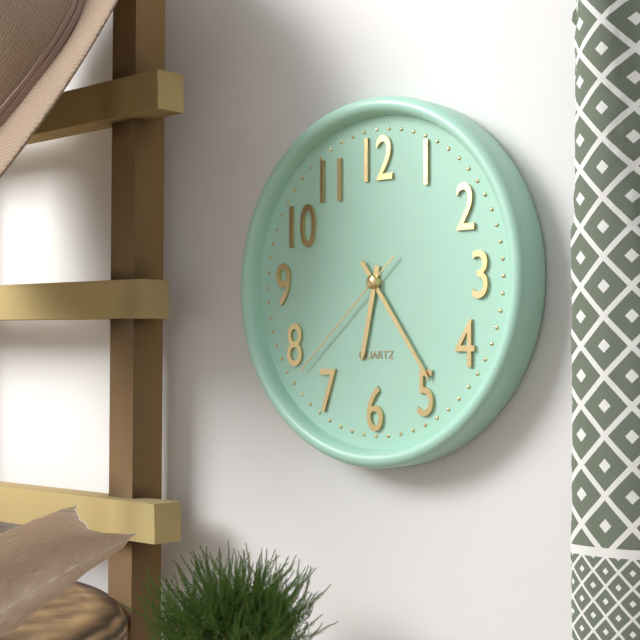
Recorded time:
{"hour": 6, "minute": 24, "second": 38}
